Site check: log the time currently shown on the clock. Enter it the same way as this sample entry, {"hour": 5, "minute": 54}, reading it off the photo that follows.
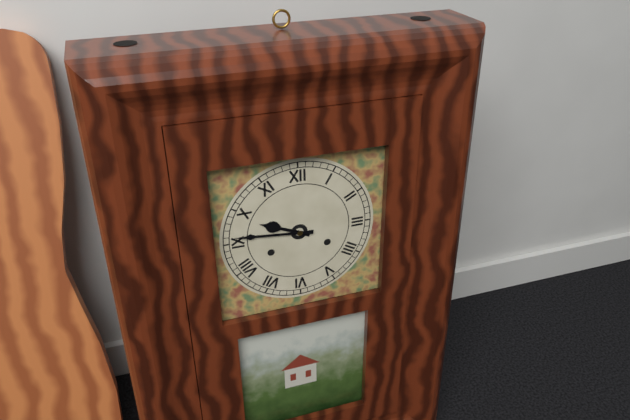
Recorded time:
{"hour": 9, "minute": 46}
